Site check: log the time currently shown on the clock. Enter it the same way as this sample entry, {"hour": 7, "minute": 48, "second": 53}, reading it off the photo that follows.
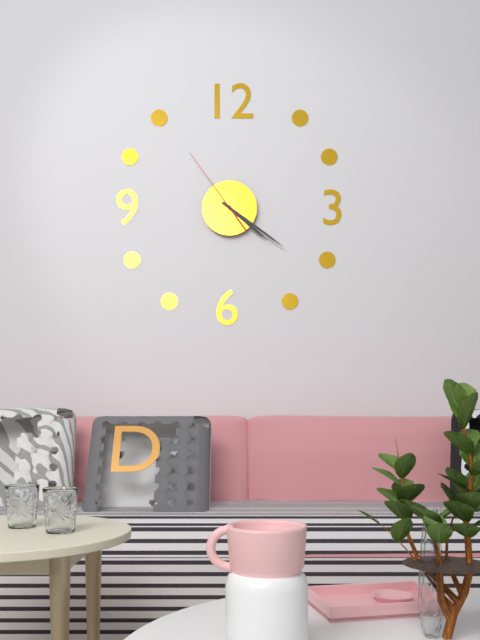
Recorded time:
{"hour": 4, "minute": 21, "second": 54}
